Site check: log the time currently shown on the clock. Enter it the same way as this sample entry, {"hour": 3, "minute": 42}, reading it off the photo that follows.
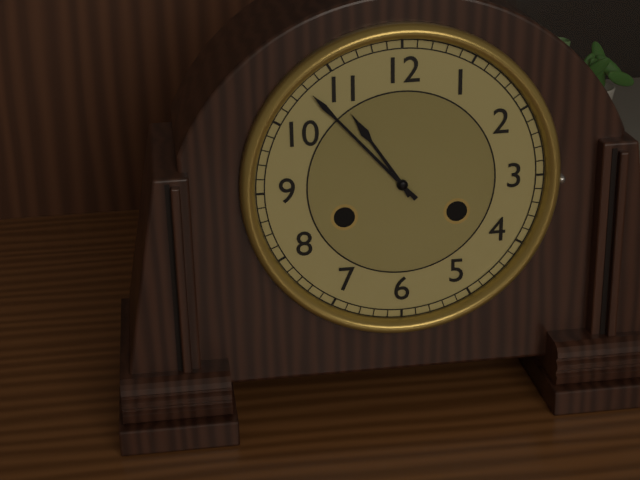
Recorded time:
{"hour": 10, "minute": 53}
